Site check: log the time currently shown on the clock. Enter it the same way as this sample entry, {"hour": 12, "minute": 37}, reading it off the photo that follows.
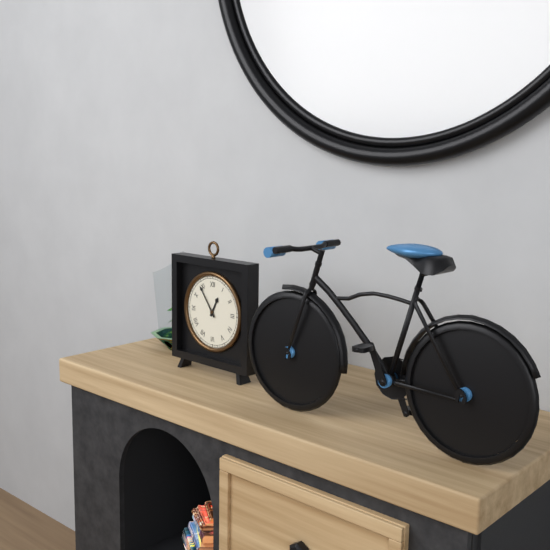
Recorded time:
{"hour": 12, "minute": 54}
